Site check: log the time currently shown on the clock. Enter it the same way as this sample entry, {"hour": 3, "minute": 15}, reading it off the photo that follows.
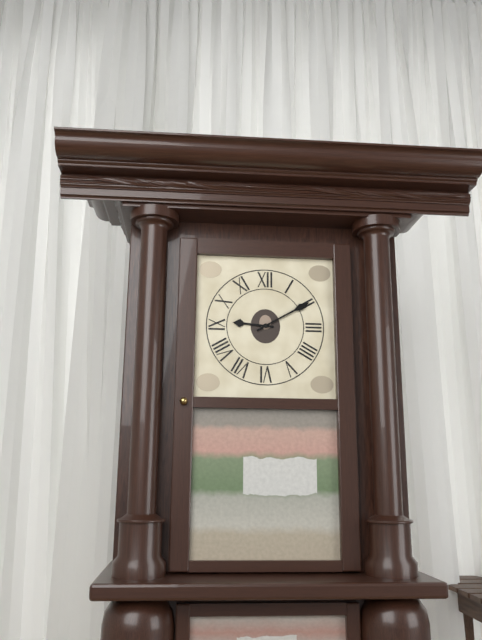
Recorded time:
{"hour": 9, "minute": 10}
